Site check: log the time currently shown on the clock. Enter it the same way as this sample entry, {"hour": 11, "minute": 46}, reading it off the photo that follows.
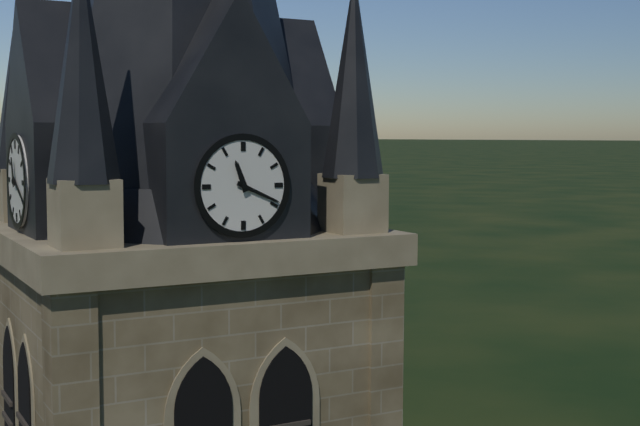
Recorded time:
{"hour": 11, "minute": 19}
